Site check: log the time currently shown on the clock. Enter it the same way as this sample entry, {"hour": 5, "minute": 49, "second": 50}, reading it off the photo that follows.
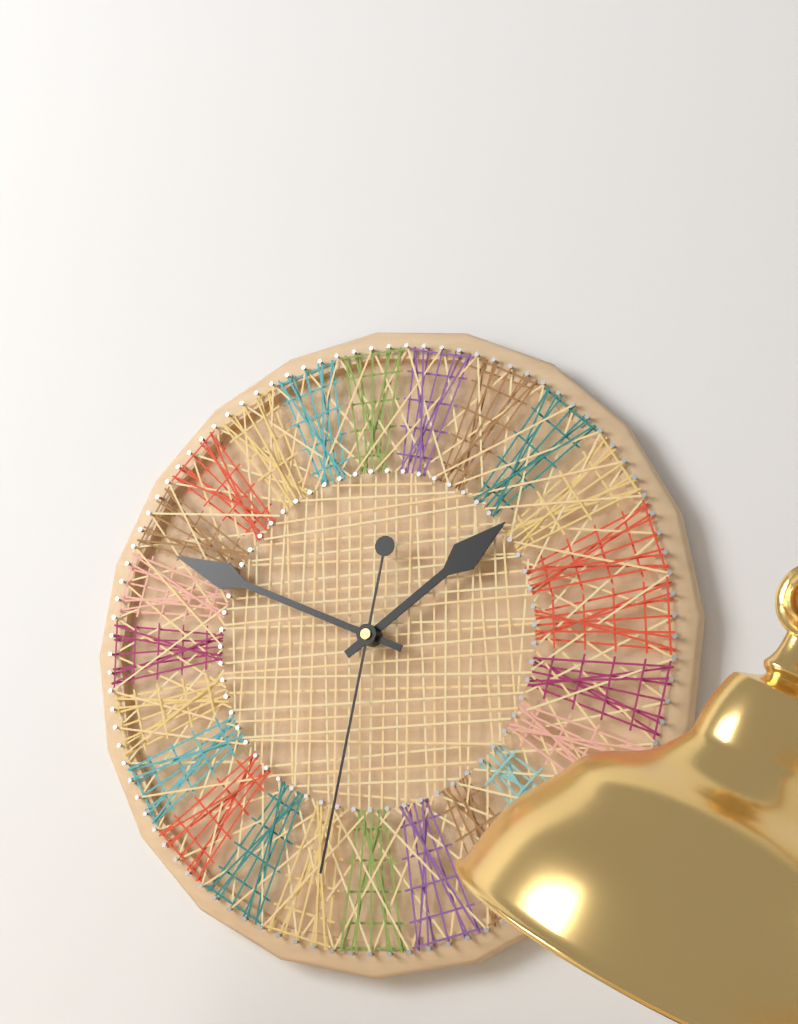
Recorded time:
{"hour": 1, "minute": 49, "second": 32}
